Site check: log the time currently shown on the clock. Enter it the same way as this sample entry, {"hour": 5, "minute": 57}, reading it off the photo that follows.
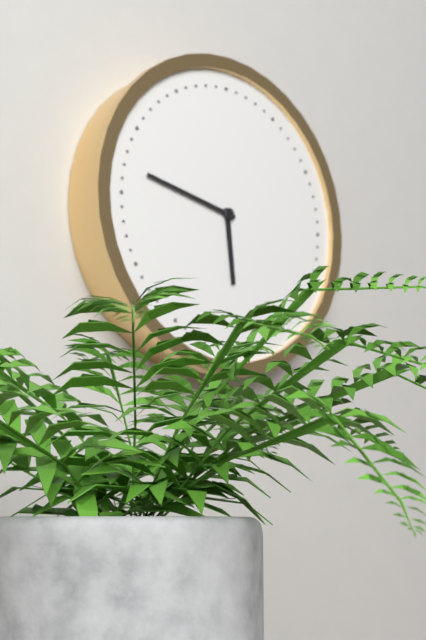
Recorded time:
{"hour": 5, "minute": 47}
